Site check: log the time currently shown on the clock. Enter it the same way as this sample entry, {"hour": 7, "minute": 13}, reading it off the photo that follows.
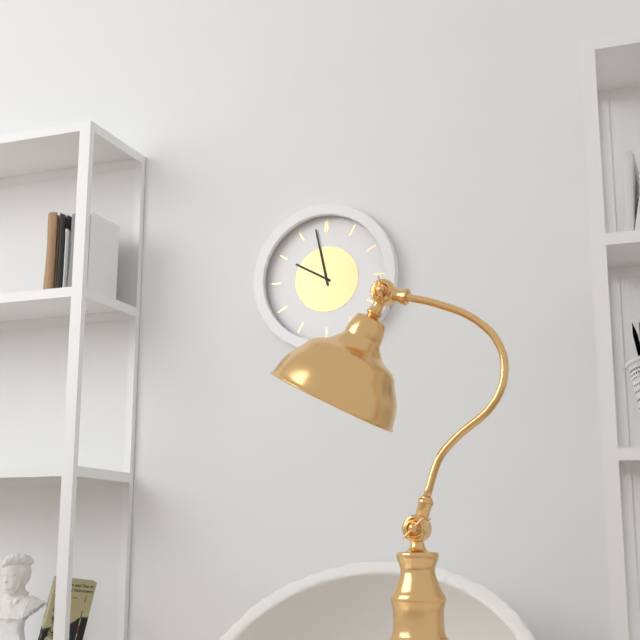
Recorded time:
{"hour": 9, "minute": 58}
